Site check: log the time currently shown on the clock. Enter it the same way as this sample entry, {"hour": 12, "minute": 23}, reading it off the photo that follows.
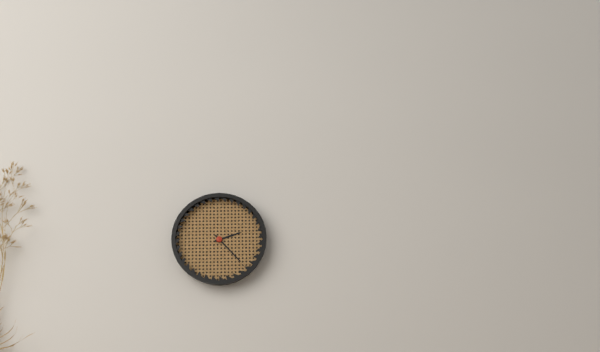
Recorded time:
{"hour": 2, "minute": 23}
